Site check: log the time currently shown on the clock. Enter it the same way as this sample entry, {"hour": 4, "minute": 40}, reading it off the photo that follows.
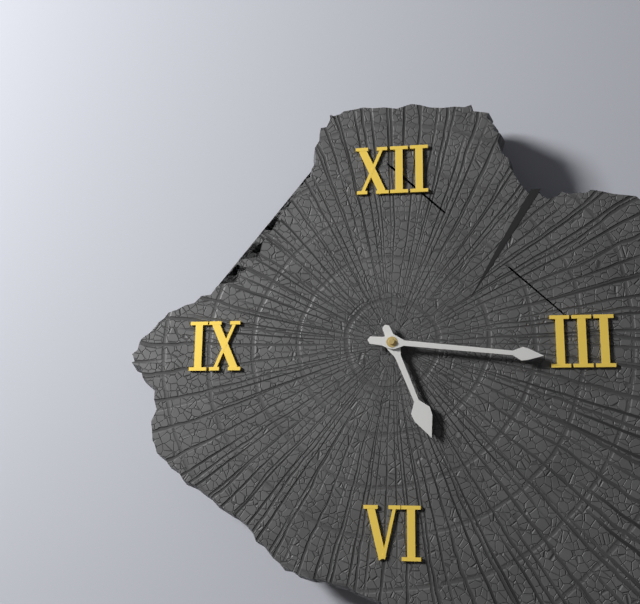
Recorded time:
{"hour": 5, "minute": 16}
